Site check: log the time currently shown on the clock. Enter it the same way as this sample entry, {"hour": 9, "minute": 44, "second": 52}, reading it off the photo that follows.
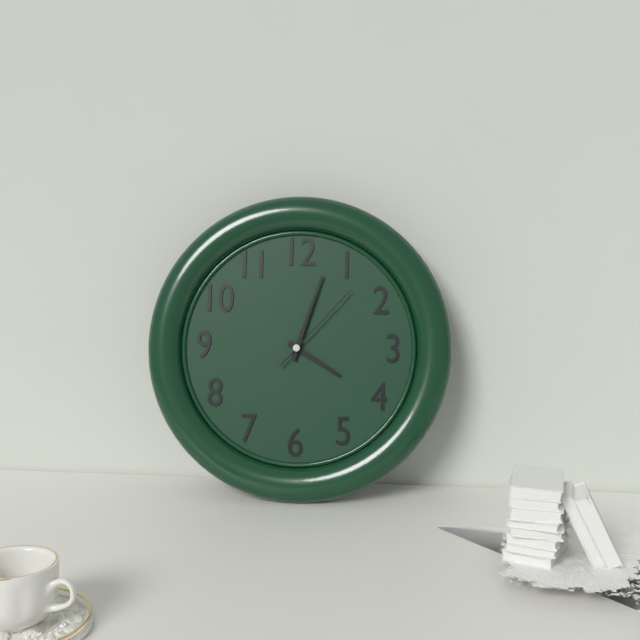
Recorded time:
{"hour": 4, "minute": 3, "second": 7}
